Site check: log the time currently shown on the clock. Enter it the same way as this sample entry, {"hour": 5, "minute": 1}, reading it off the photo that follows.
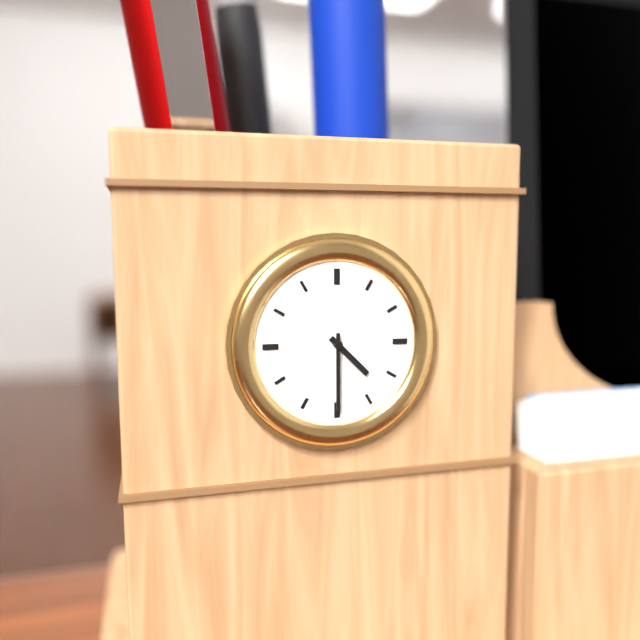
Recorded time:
{"hour": 4, "minute": 30}
